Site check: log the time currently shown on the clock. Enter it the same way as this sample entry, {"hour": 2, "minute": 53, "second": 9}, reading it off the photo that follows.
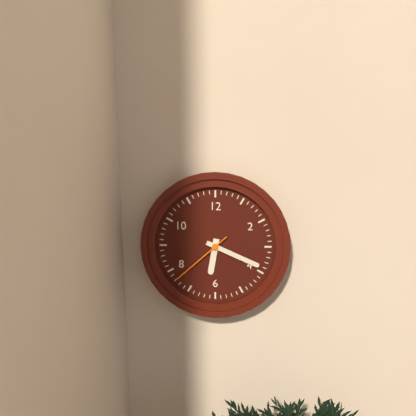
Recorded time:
{"hour": 6, "minute": 19, "second": 38}
